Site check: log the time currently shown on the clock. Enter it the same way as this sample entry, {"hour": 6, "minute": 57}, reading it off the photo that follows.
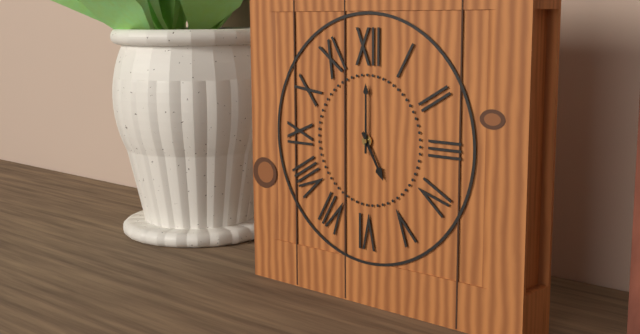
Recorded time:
{"hour": 5, "minute": 0}
